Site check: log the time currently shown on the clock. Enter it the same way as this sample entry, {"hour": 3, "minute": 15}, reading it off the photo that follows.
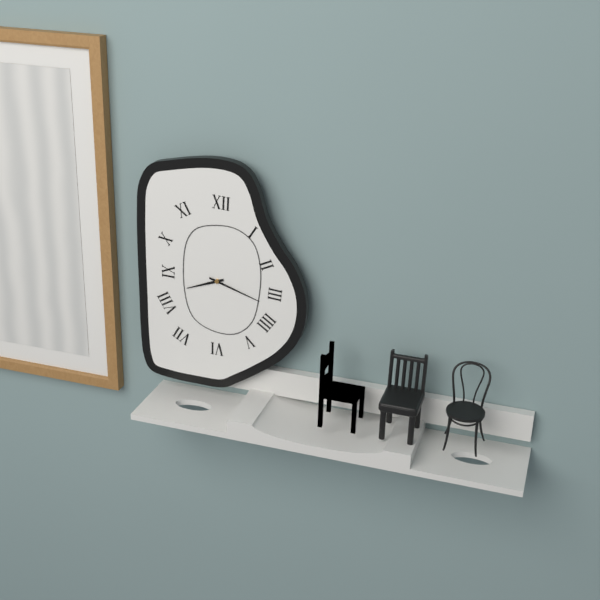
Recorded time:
{"hour": 8, "minute": 18}
